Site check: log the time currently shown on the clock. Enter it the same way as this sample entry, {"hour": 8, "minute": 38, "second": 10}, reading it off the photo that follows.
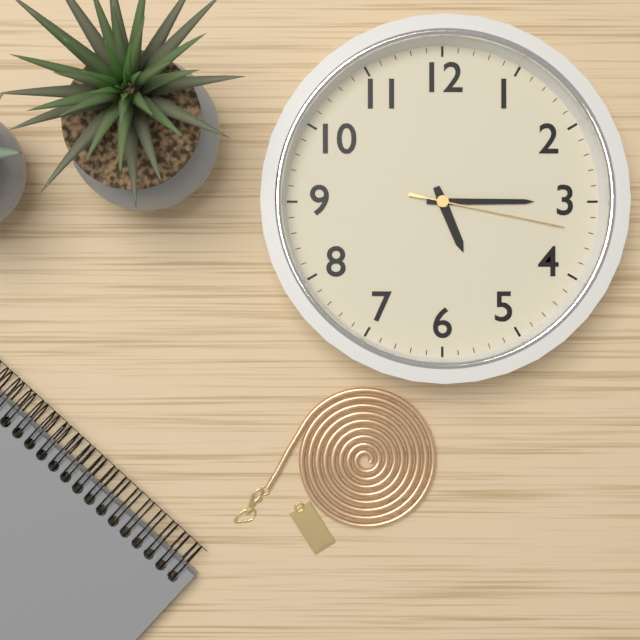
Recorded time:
{"hour": 5, "minute": 15, "second": 17}
